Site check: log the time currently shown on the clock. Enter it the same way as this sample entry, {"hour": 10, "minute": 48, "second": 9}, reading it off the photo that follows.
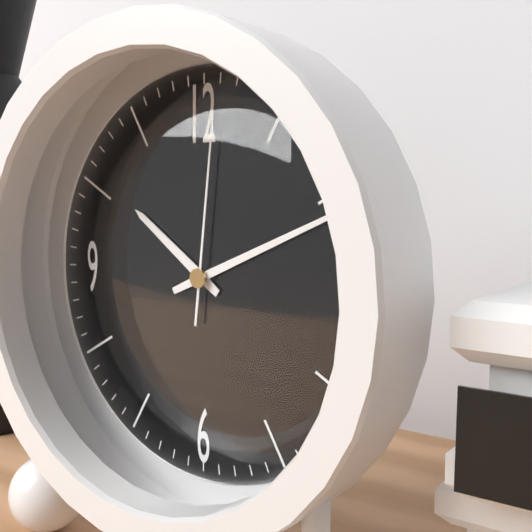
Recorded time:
{"hour": 10, "minute": 11, "second": 1}
